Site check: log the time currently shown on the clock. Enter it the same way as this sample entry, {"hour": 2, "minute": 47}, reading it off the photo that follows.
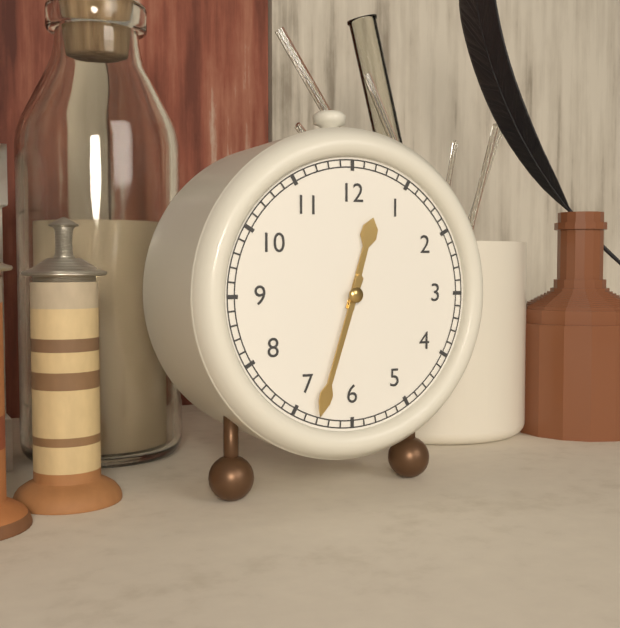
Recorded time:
{"hour": 12, "minute": 33}
